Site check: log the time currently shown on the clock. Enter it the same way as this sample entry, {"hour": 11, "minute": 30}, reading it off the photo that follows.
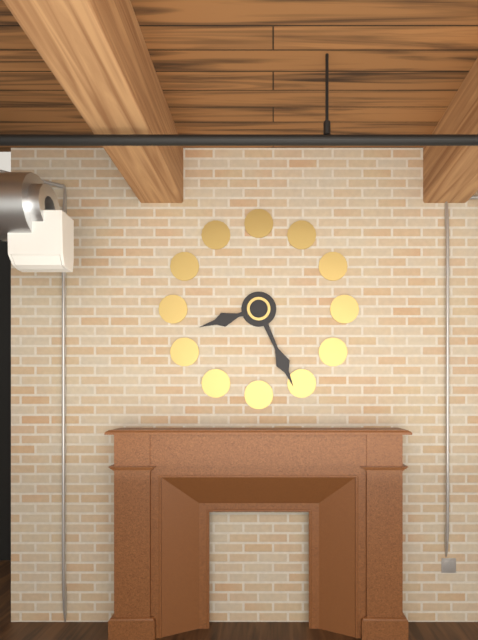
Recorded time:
{"hour": 8, "minute": 26}
